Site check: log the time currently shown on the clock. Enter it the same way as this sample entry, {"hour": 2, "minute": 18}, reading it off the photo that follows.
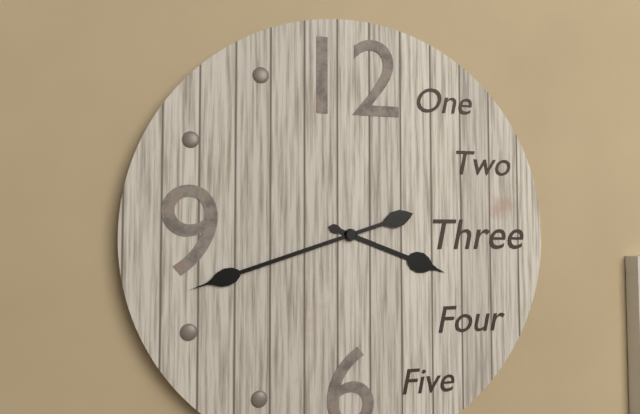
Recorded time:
{"hour": 3, "minute": 42}
